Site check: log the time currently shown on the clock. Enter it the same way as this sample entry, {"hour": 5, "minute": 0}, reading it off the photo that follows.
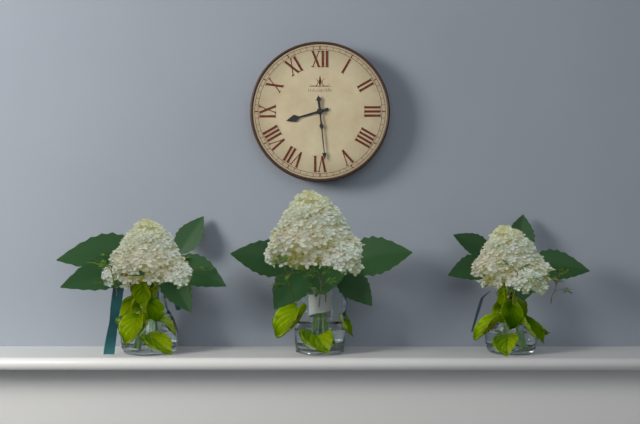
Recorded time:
{"hour": 8, "minute": 29}
